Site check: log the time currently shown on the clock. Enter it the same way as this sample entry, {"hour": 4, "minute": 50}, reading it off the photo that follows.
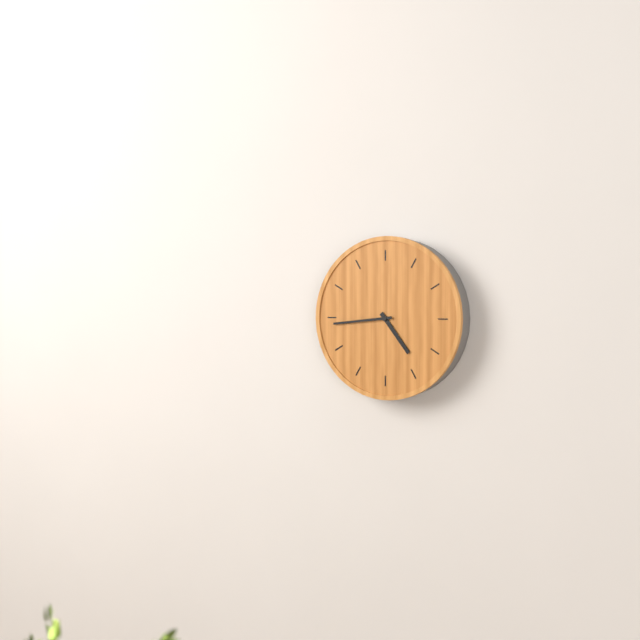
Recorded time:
{"hour": 4, "minute": 44}
